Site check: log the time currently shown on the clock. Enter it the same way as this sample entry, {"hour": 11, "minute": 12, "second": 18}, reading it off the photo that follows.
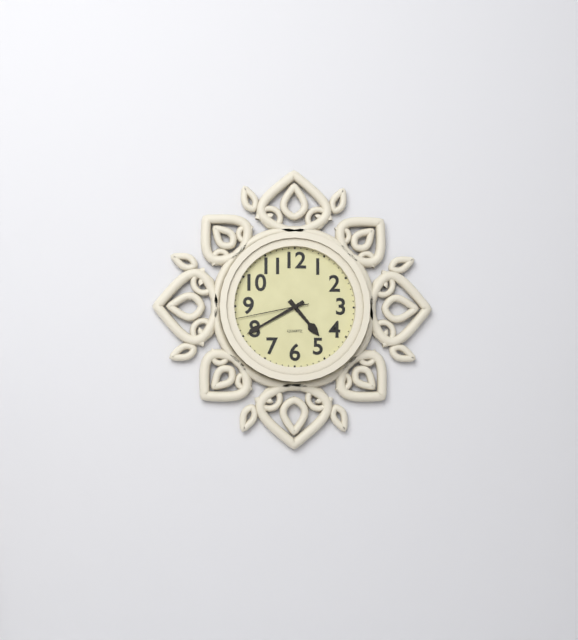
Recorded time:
{"hour": 4, "minute": 40, "second": 43}
